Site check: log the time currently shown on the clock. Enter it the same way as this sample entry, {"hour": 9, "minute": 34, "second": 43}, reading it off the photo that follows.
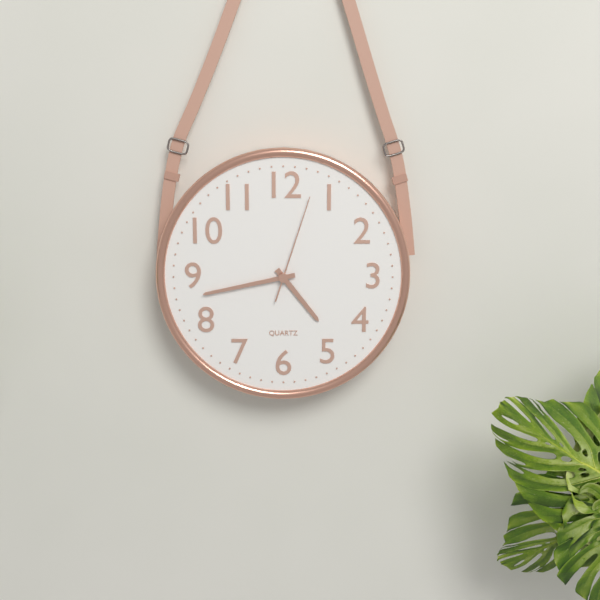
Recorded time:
{"hour": 4, "minute": 43, "second": 3}
